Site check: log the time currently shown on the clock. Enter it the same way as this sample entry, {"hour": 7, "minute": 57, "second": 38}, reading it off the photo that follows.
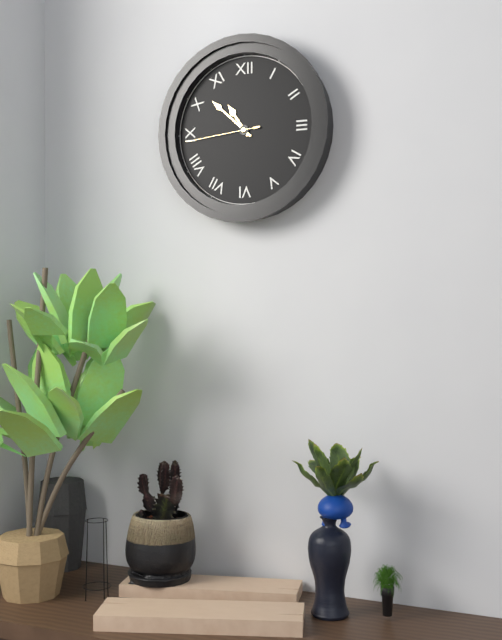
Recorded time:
{"hour": 10, "minute": 52, "second": 44}
